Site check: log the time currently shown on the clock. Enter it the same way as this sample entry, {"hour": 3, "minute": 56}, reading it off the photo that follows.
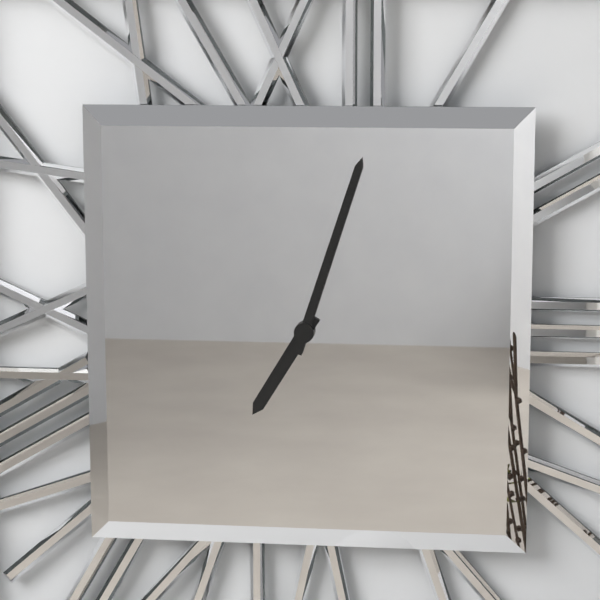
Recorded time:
{"hour": 7, "minute": 3}
